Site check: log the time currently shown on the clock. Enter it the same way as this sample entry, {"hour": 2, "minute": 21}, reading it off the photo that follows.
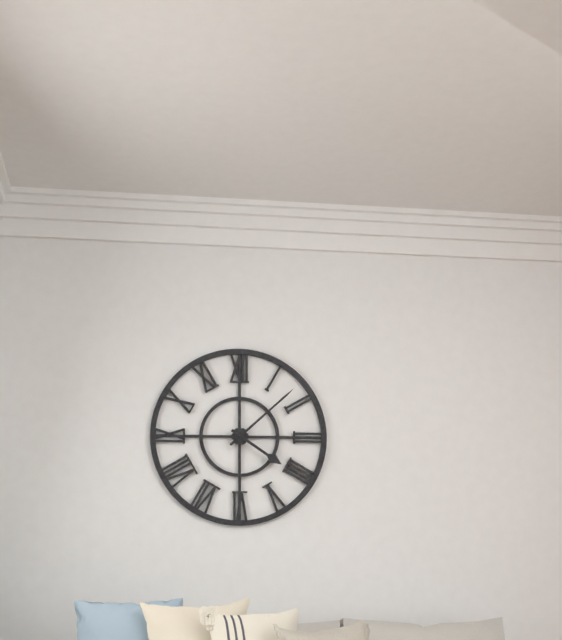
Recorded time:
{"hour": 4, "minute": 8}
